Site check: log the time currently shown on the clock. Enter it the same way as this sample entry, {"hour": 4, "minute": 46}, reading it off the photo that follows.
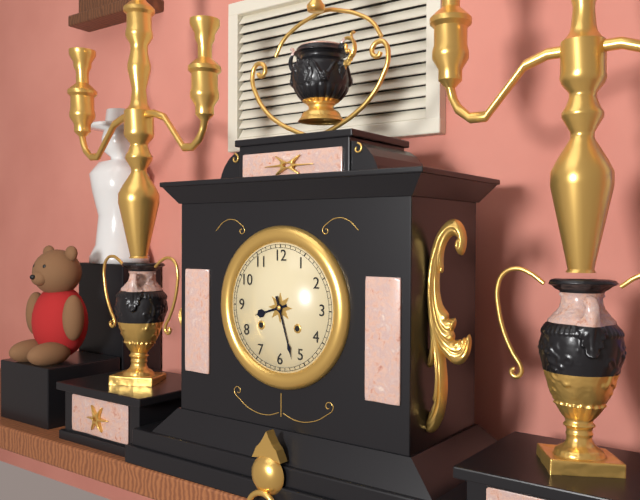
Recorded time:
{"hour": 8, "minute": 27}
